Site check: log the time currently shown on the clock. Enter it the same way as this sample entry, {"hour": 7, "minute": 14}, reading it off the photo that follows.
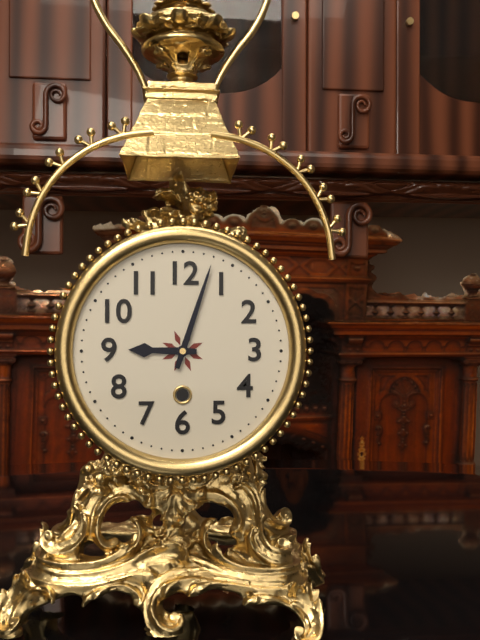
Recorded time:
{"hour": 9, "minute": 3}
